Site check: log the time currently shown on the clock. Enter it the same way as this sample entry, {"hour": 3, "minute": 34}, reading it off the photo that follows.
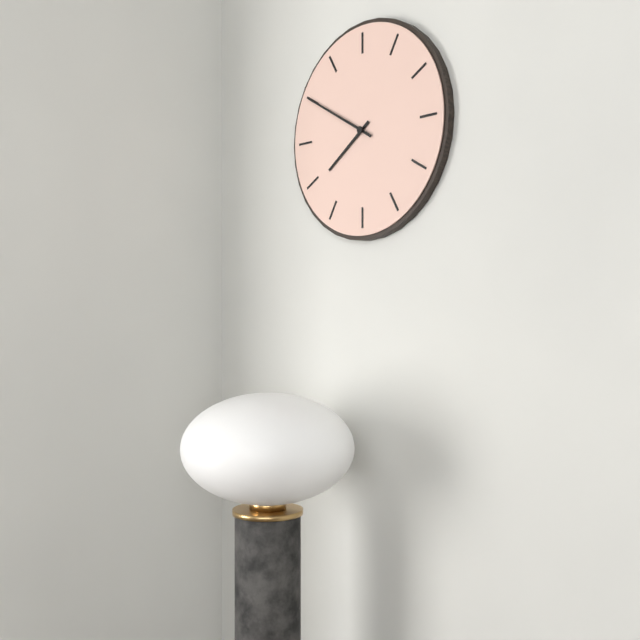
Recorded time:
{"hour": 7, "minute": 50}
